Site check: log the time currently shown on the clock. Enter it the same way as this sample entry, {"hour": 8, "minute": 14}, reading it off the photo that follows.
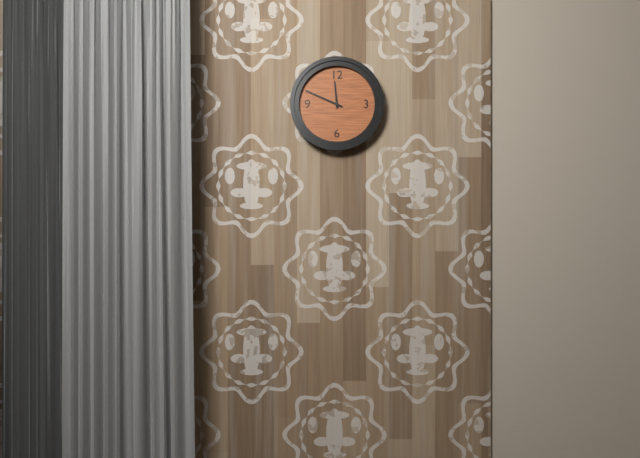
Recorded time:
{"hour": 11, "minute": 49}
